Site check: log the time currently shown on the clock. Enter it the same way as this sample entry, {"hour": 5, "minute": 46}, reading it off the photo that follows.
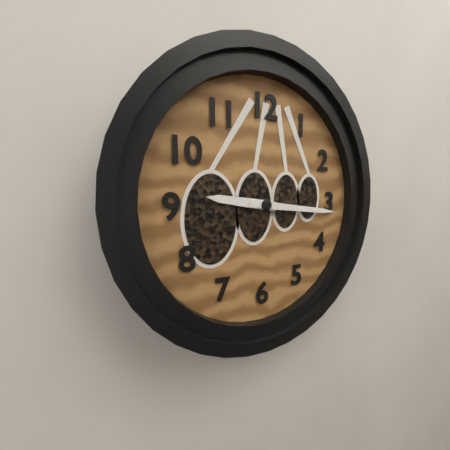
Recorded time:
{"hour": 9, "minute": 16}
